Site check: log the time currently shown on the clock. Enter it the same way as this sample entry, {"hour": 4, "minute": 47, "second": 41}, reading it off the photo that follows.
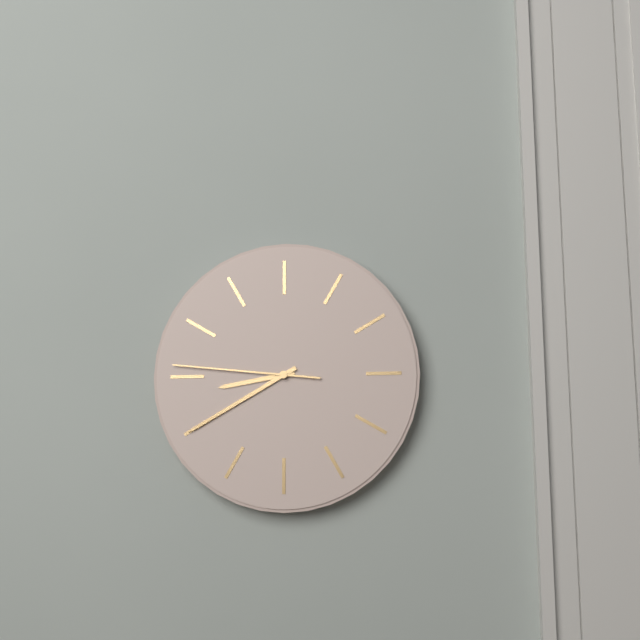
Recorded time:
{"hour": 8, "minute": 40, "second": 46}
